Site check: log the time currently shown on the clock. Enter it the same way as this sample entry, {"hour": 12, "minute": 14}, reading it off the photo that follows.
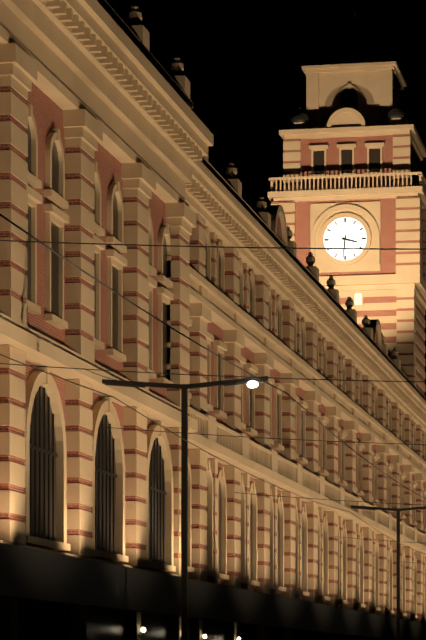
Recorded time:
{"hour": 3, "minute": 31}
